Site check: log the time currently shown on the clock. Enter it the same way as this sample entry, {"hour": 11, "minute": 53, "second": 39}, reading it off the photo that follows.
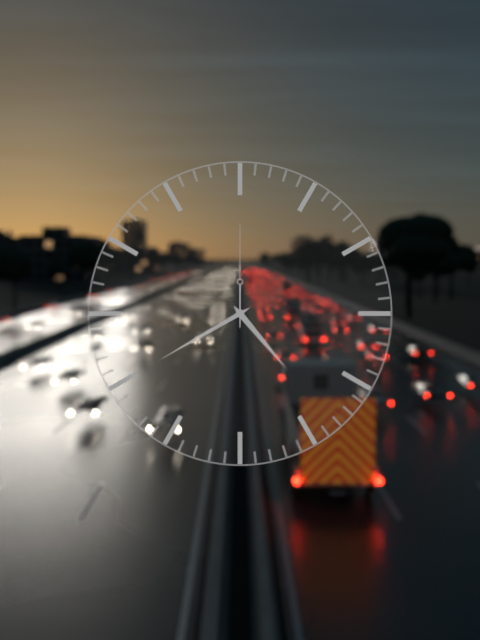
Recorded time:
{"hour": 4, "minute": 40, "second": 0}
